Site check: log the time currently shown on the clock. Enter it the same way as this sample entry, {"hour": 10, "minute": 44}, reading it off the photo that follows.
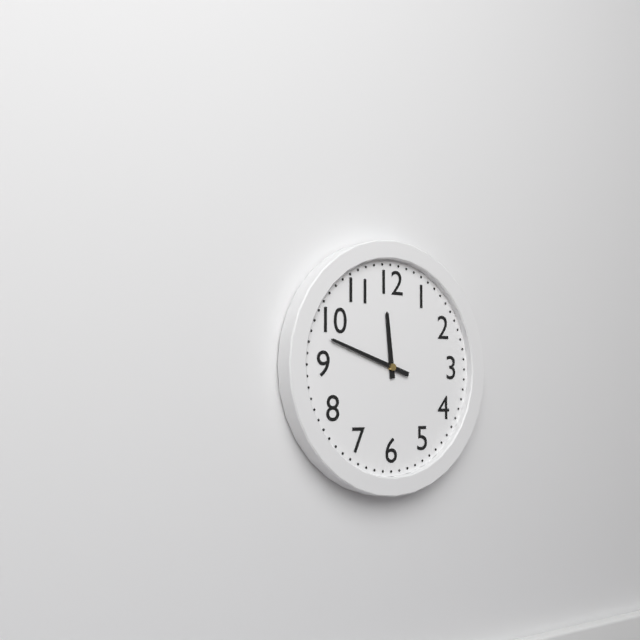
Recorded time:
{"hour": 11, "minute": 48}
